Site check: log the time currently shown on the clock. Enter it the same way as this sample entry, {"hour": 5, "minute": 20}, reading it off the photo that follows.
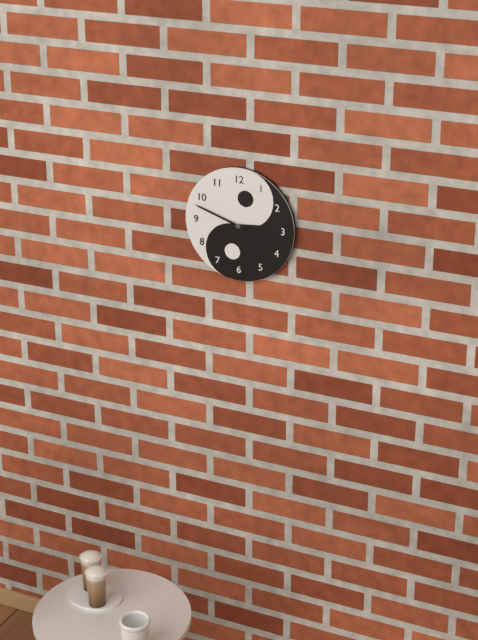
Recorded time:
{"hour": 2, "minute": 48}
